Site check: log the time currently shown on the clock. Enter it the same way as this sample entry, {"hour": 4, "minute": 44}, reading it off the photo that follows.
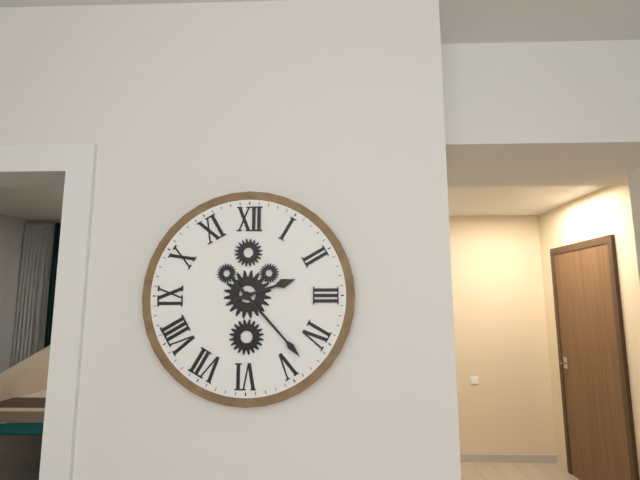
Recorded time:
{"hour": 2, "minute": 23}
